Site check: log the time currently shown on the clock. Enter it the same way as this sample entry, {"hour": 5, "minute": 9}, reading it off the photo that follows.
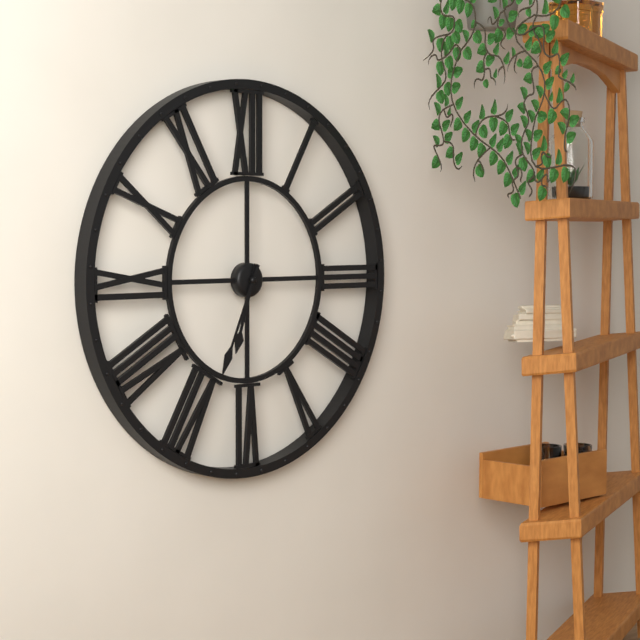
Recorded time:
{"hour": 6, "minute": 34}
